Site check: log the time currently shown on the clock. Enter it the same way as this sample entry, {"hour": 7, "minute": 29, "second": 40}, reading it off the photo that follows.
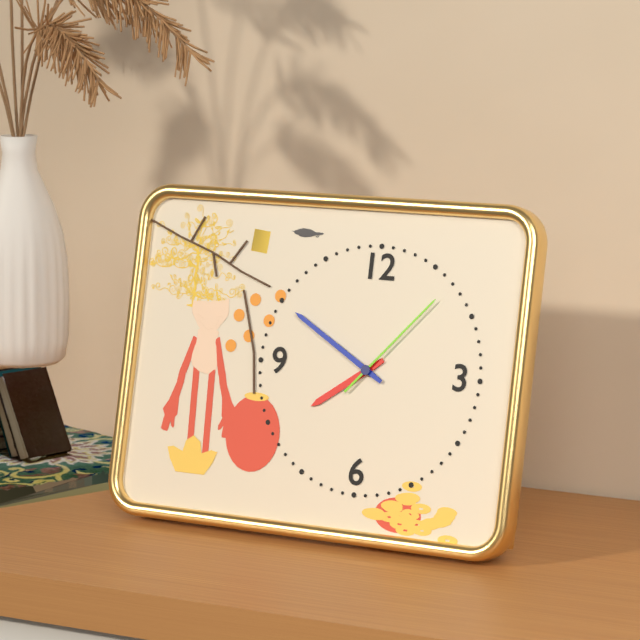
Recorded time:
{"hour": 7, "minute": 50, "second": 7}
